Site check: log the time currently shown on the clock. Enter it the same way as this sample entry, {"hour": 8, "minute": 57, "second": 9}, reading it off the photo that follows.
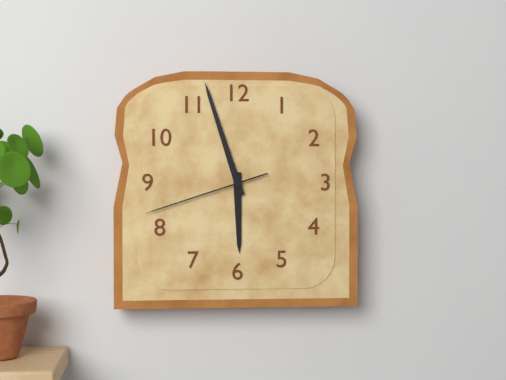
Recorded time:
{"hour": 5, "minute": 57, "second": 42}
